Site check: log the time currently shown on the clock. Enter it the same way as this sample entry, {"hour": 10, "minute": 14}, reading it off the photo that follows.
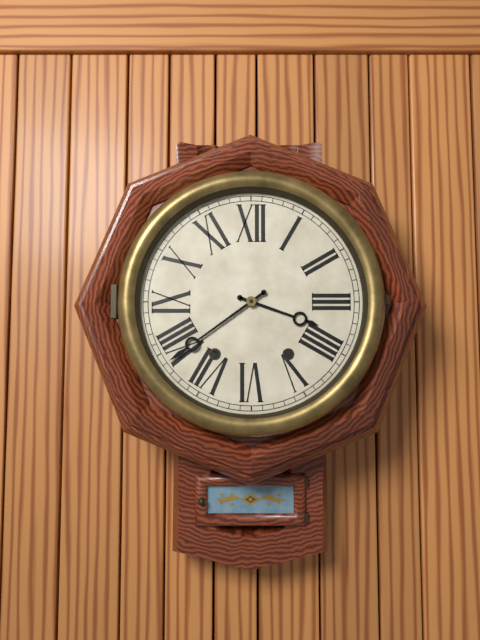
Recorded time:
{"hour": 3, "minute": 39}
